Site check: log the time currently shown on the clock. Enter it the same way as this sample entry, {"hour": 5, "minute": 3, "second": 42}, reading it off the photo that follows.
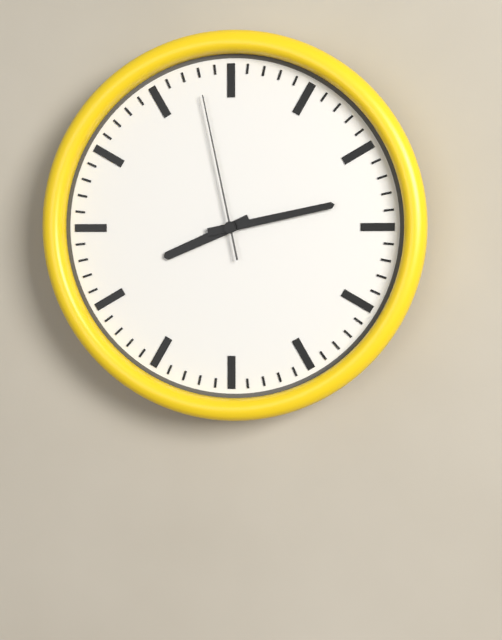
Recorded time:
{"hour": 8, "minute": 13, "second": 58}
